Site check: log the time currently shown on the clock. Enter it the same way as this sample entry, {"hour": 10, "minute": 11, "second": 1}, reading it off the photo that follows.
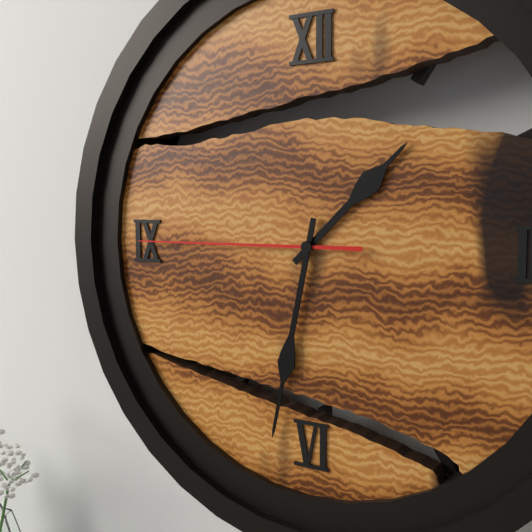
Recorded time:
{"hour": 1, "minute": 32, "second": 45}
